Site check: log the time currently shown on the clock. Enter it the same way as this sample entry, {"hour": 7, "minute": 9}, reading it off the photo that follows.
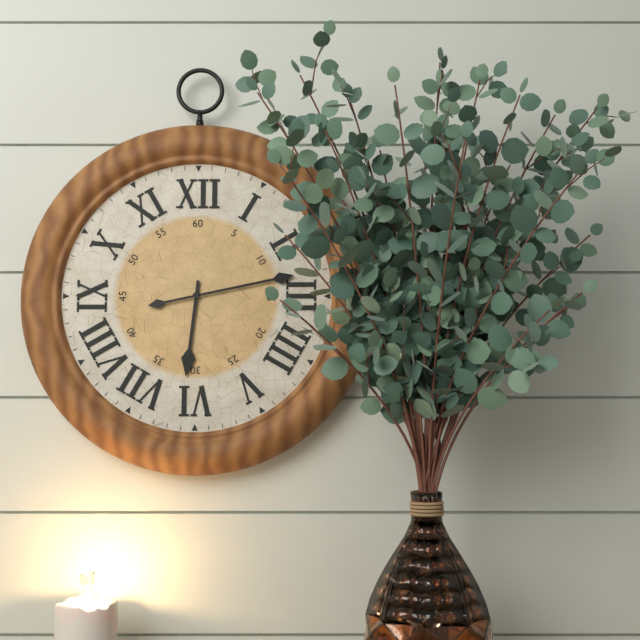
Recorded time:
{"hour": 6, "minute": 13}
